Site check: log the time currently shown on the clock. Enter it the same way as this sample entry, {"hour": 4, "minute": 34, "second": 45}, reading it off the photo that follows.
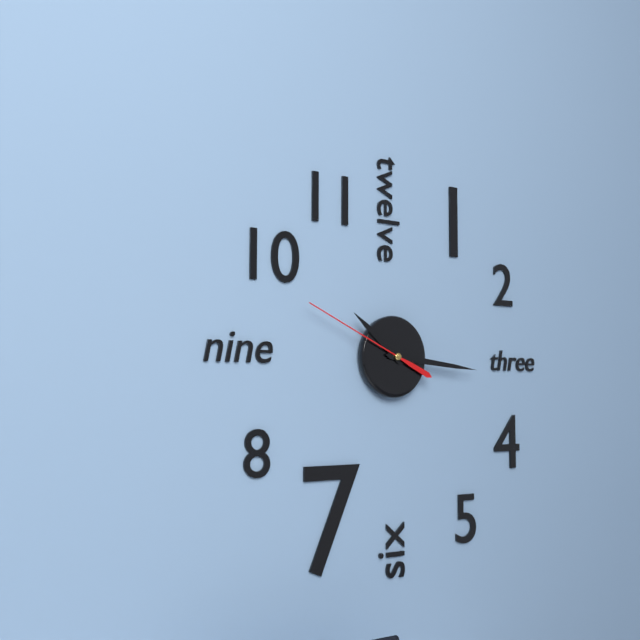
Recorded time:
{"hour": 10, "minute": 16, "second": 49}
